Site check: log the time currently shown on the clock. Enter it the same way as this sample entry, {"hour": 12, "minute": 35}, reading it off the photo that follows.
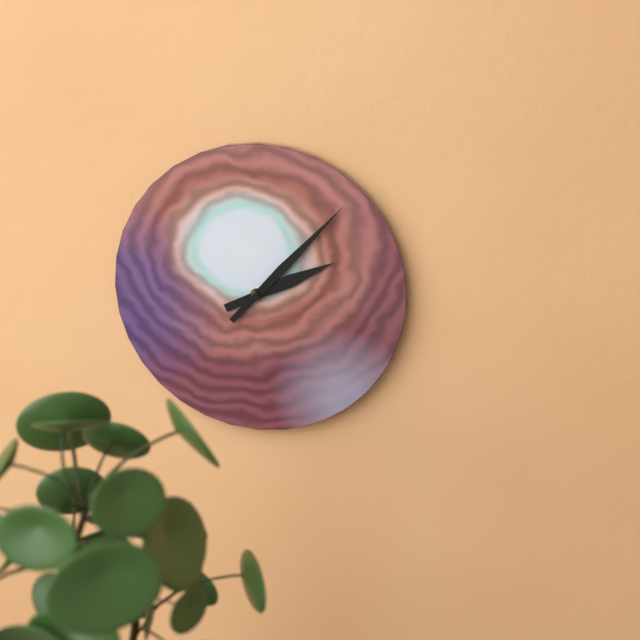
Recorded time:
{"hour": 2, "minute": 7}
